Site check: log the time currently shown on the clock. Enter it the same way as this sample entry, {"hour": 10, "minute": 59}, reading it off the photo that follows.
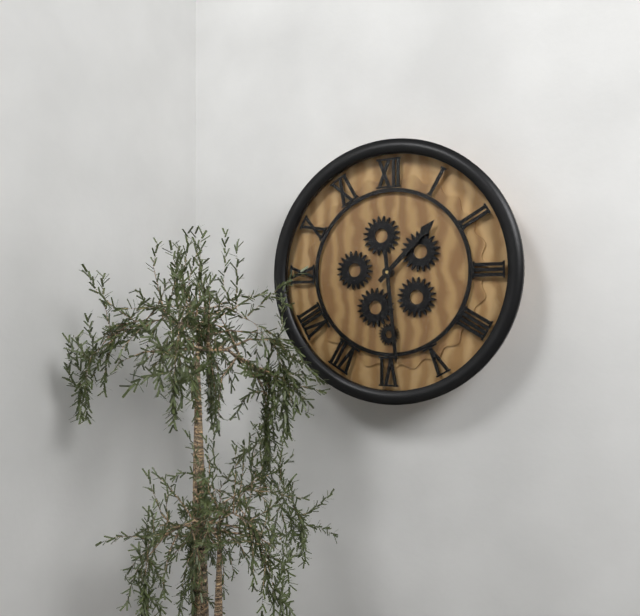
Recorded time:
{"hour": 1, "minute": 29}
